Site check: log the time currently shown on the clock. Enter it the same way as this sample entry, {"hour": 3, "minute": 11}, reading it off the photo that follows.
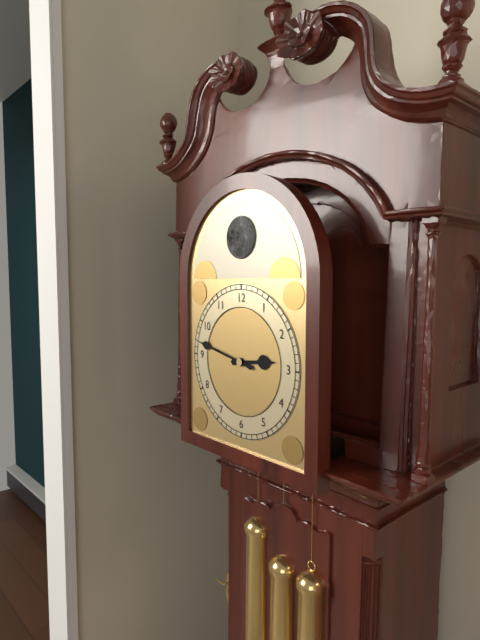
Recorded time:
{"hour": 2, "minute": 47}
